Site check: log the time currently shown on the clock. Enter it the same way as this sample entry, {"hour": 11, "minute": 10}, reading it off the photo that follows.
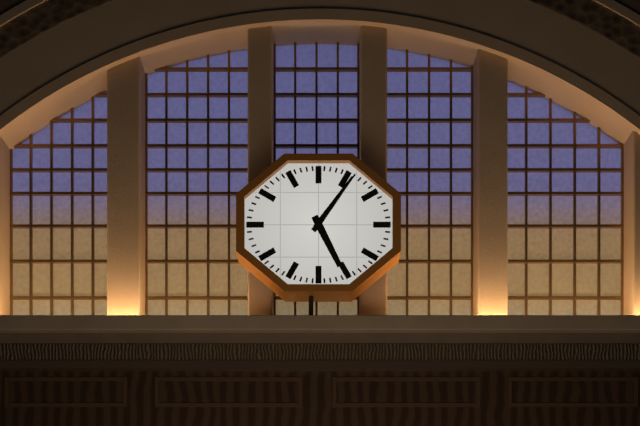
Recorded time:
{"hour": 5, "minute": 6}
